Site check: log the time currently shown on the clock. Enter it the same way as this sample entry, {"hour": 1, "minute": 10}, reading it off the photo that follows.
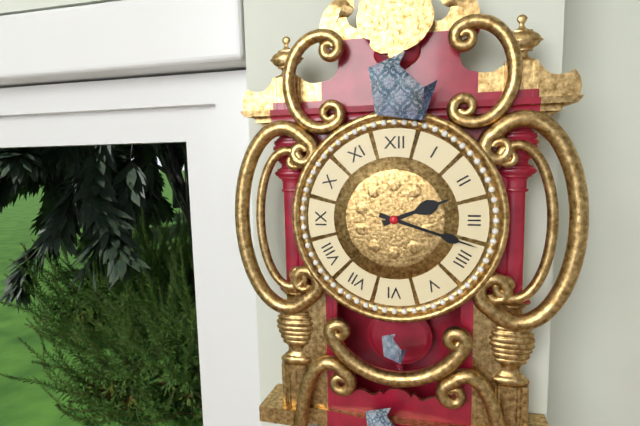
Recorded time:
{"hour": 2, "minute": 18}
